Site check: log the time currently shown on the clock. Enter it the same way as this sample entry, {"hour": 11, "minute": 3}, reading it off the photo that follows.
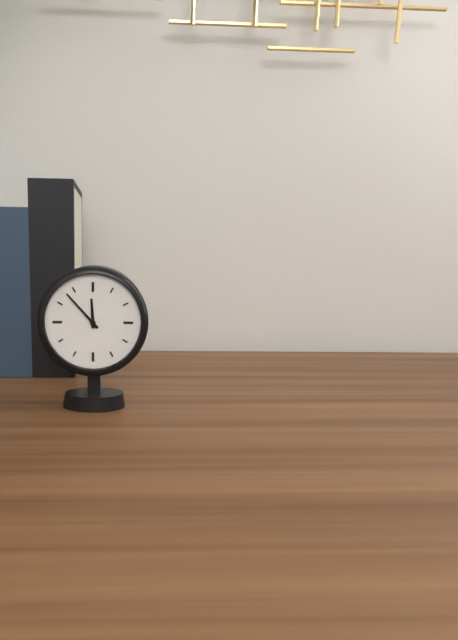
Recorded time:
{"hour": 11, "minute": 53}
